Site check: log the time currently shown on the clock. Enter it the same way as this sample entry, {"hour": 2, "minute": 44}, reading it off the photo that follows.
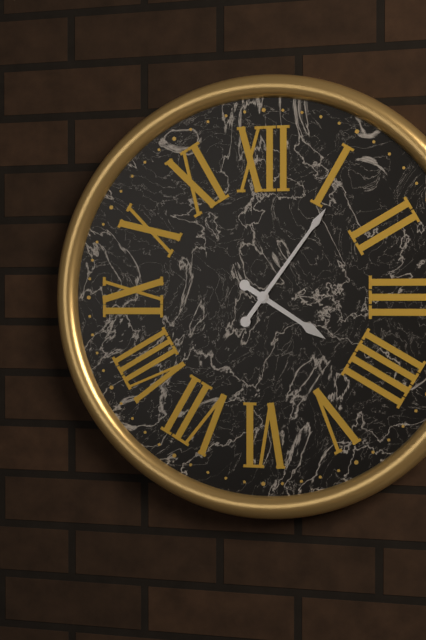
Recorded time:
{"hour": 4, "minute": 6}
